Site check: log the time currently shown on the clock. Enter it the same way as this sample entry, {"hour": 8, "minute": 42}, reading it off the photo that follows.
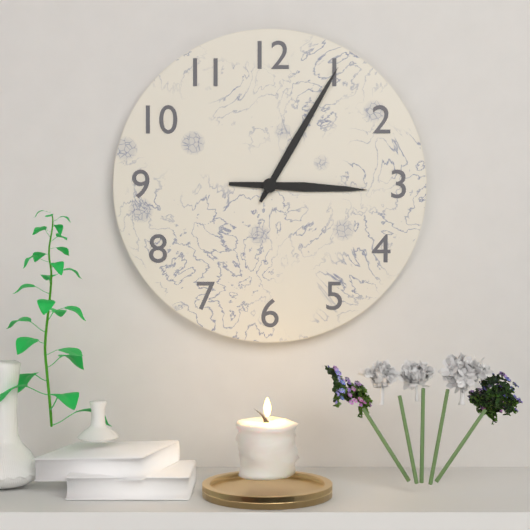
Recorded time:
{"hour": 3, "minute": 5}
